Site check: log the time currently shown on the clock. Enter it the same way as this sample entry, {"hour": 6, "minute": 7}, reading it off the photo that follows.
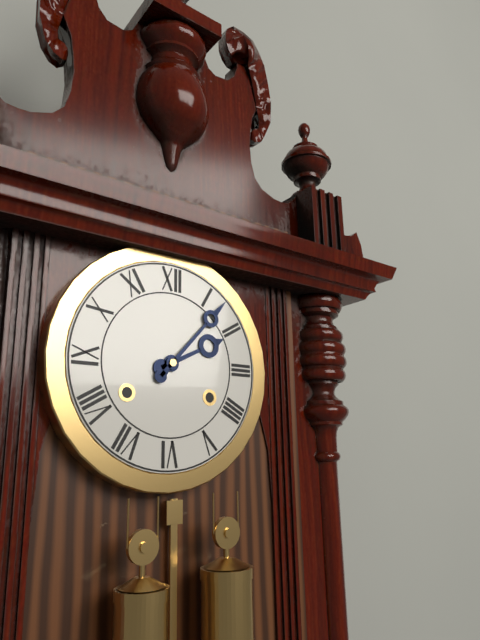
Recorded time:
{"hour": 2, "minute": 7}
